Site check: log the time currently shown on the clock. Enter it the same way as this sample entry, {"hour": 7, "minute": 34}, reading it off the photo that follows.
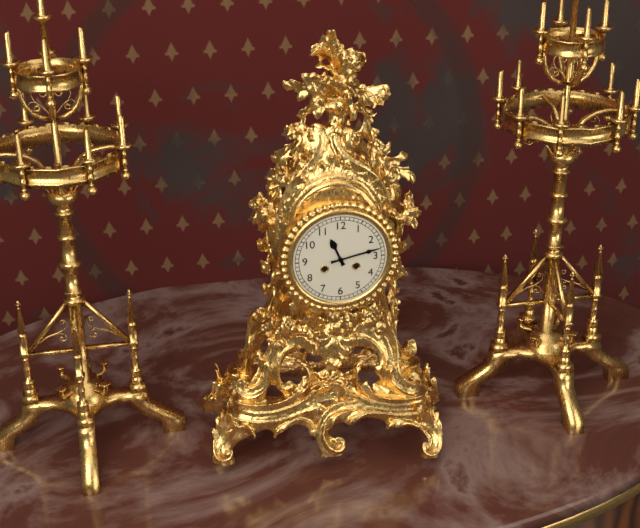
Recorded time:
{"hour": 11, "minute": 13}
